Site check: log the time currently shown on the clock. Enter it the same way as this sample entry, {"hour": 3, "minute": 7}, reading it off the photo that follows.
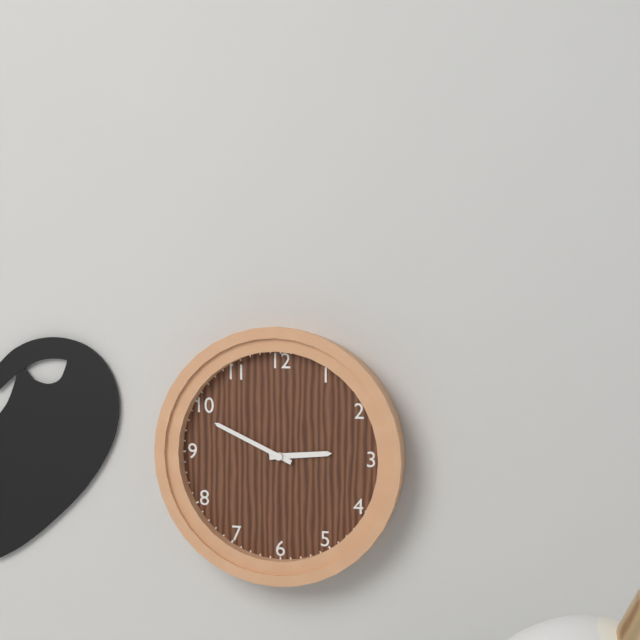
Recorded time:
{"hour": 2, "minute": 49}
